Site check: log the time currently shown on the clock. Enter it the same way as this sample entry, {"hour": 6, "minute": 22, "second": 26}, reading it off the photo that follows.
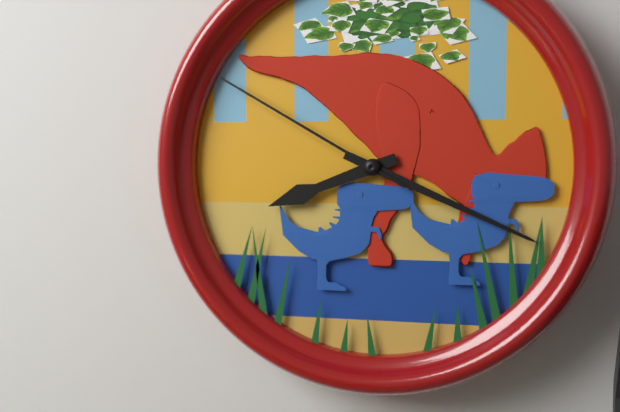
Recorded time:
{"hour": 8, "minute": 19, "second": 50}
